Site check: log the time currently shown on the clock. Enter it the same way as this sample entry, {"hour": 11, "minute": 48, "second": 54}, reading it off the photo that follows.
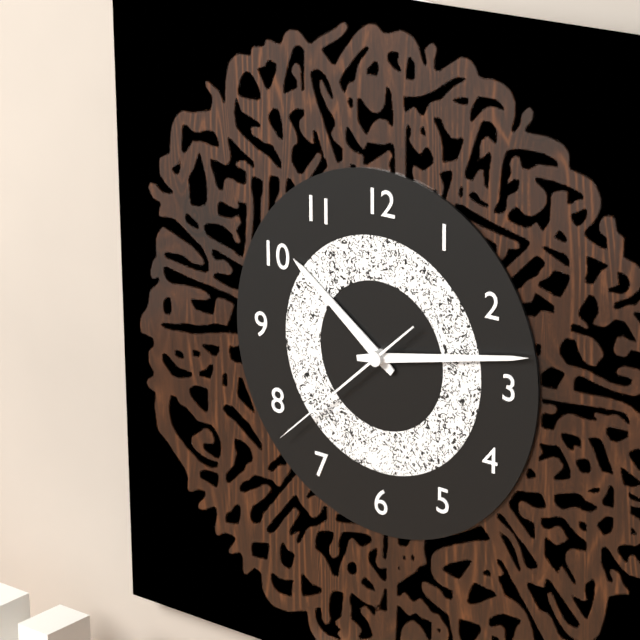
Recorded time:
{"hour": 10, "minute": 13, "second": 38}
